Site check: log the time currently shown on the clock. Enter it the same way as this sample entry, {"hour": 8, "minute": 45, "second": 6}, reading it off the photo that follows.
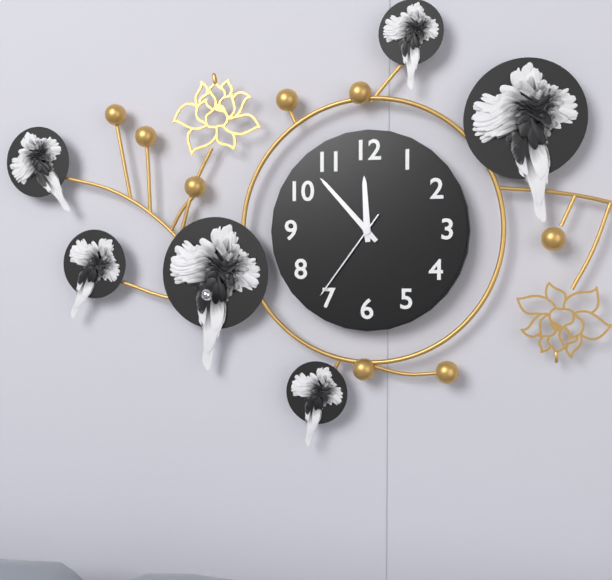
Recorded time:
{"hour": 11, "minute": 53, "second": 36}
